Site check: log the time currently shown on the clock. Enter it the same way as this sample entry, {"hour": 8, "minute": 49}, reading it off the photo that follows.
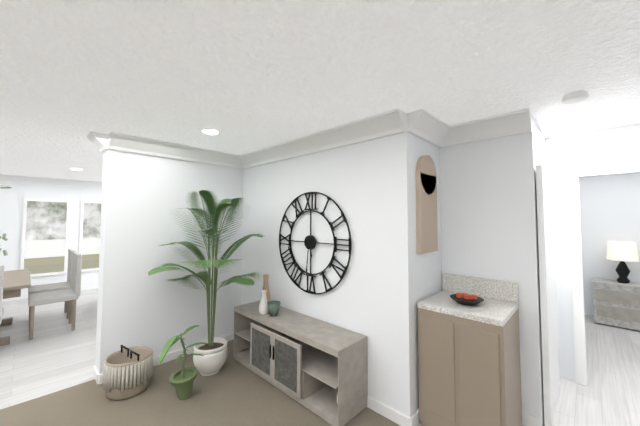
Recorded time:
{"hour": 5, "minute": 31}
